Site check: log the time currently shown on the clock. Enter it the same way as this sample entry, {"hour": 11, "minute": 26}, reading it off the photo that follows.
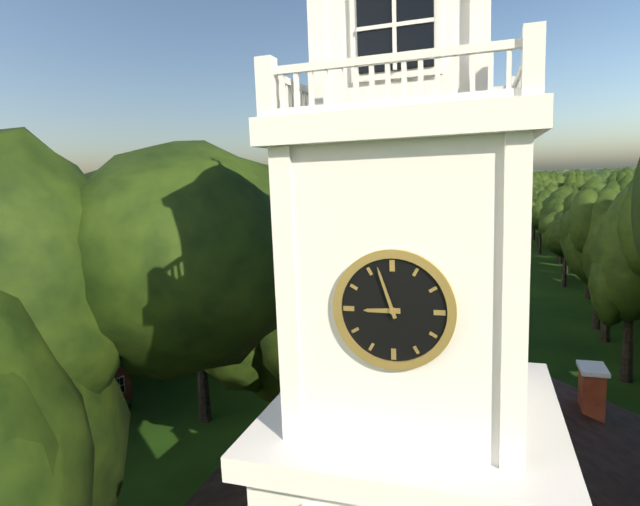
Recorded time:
{"hour": 8, "minute": 57}
